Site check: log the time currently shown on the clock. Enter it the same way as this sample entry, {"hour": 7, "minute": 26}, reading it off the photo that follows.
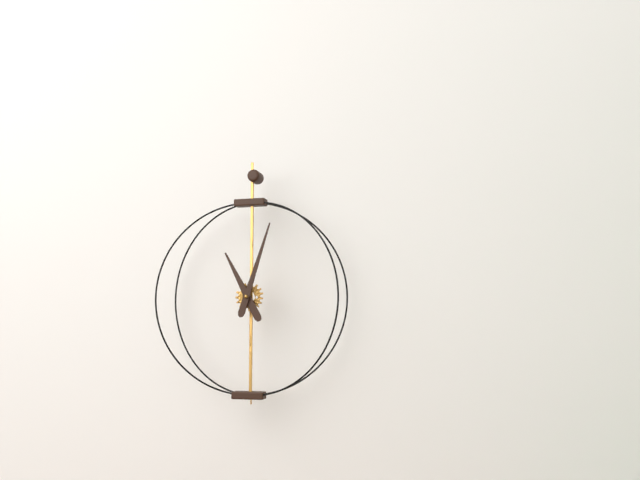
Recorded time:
{"hour": 11, "minute": 3}
